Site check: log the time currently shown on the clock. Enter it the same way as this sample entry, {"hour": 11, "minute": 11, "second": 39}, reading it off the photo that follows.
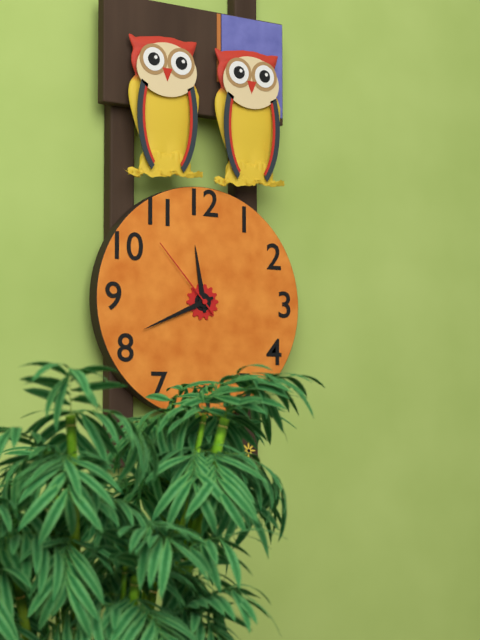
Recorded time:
{"hour": 11, "minute": 41, "second": 53}
